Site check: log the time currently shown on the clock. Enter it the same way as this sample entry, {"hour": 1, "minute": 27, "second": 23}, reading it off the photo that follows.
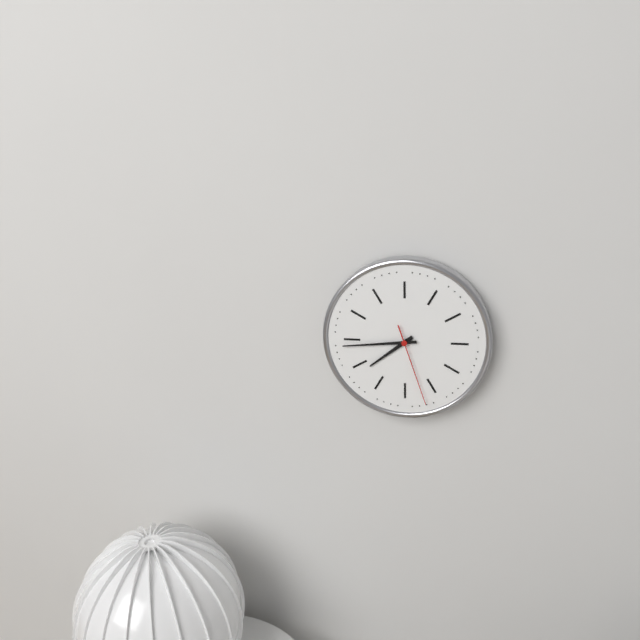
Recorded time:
{"hour": 7, "minute": 44, "second": 27}
